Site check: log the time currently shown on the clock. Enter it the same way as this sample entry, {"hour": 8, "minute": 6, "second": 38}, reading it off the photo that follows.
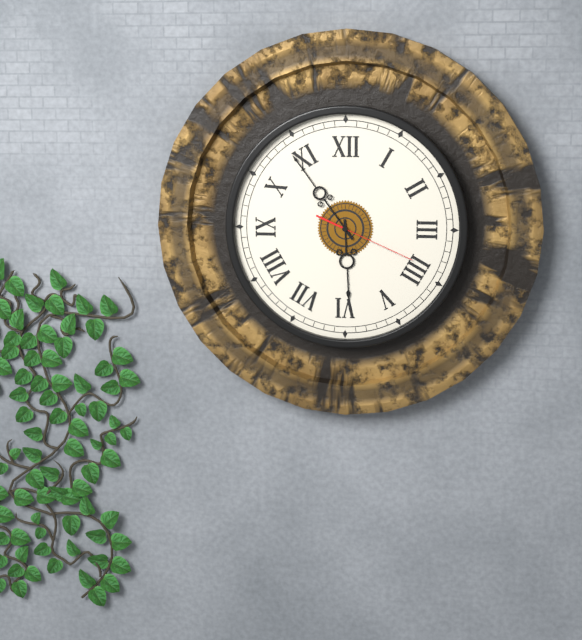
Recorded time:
{"hour": 5, "minute": 54, "second": 19}
